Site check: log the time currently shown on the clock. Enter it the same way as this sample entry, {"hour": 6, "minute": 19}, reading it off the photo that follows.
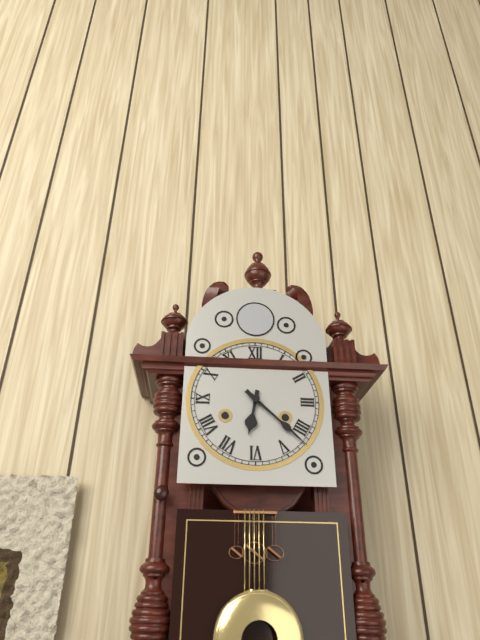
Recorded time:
{"hour": 6, "minute": 22}
